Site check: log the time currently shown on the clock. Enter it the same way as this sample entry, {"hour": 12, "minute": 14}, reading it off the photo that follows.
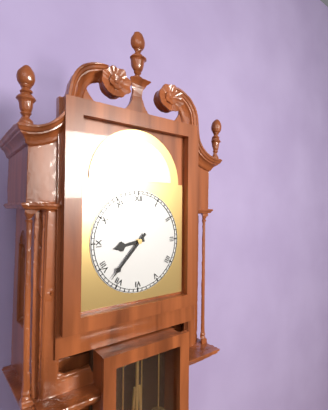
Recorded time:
{"hour": 8, "minute": 37}
